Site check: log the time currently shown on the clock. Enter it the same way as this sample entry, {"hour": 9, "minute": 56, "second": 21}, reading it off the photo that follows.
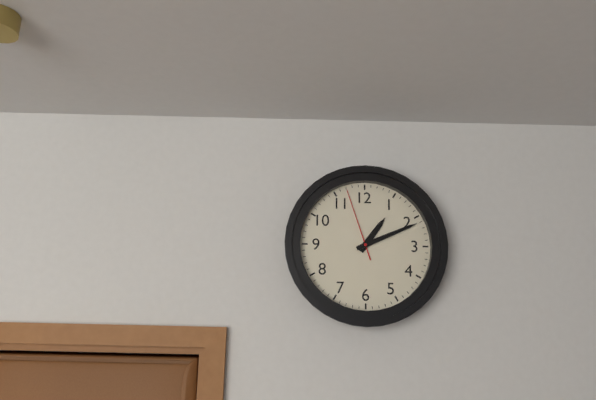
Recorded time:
{"hour": 1, "minute": 11, "second": 57}
